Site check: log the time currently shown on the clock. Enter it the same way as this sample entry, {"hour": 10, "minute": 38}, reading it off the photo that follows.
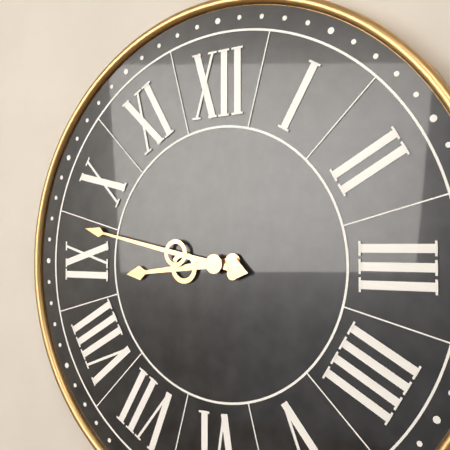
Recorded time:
{"hour": 8, "minute": 47}
